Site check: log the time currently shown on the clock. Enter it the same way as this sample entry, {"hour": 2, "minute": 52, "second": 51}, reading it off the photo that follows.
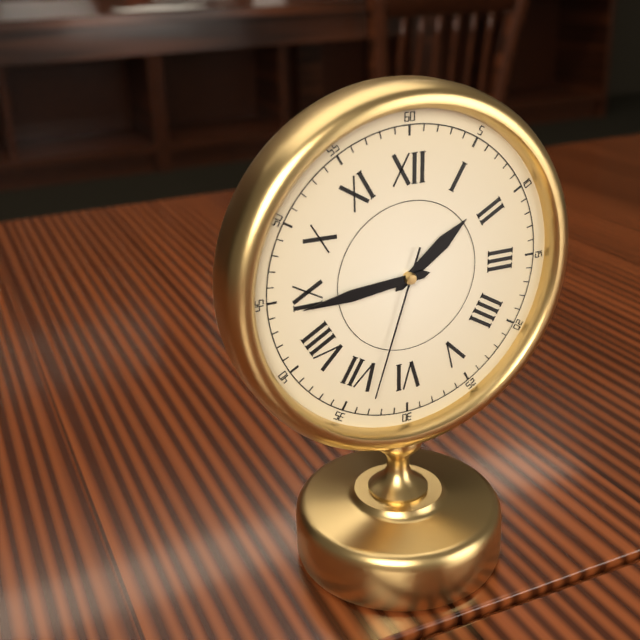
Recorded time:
{"hour": 1, "minute": 44, "second": 33}
